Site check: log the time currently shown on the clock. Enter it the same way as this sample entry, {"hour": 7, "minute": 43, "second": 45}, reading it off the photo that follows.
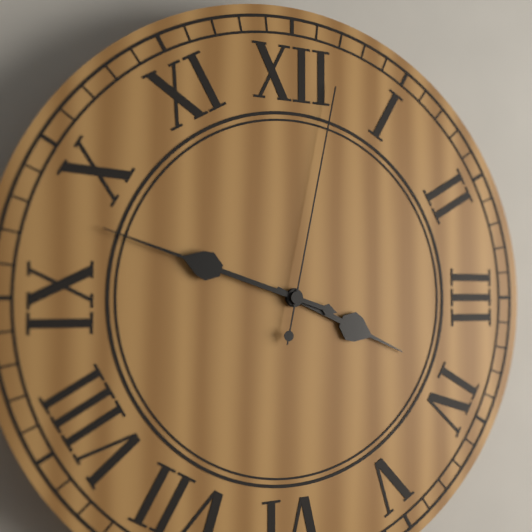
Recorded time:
{"hour": 3, "minute": 48, "second": 2}
